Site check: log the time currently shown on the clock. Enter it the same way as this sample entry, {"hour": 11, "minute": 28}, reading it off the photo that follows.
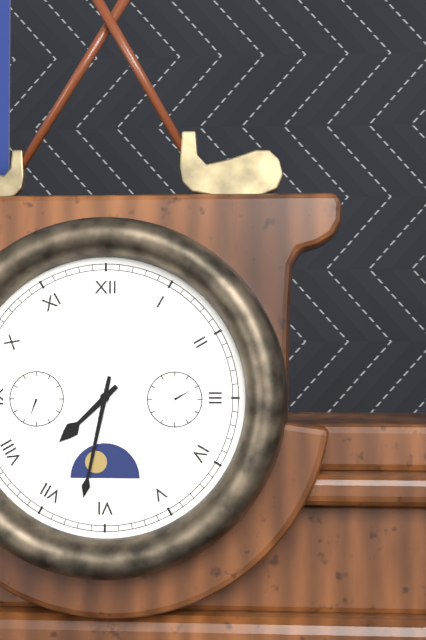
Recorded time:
{"hour": 7, "minute": 32}
